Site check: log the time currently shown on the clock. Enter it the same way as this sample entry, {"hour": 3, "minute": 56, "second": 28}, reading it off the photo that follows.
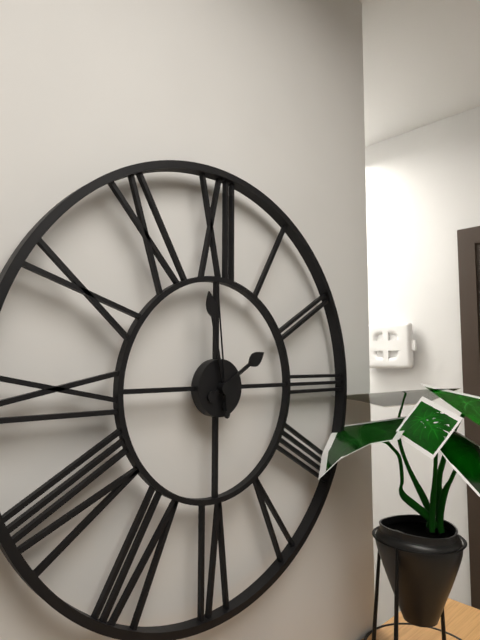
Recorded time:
{"hour": 1, "minute": 58, "second": 59}
